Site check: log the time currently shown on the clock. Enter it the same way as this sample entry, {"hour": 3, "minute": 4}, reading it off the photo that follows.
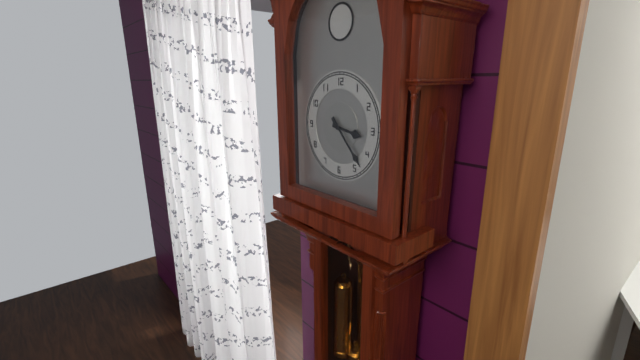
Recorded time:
{"hour": 3, "minute": 23}
